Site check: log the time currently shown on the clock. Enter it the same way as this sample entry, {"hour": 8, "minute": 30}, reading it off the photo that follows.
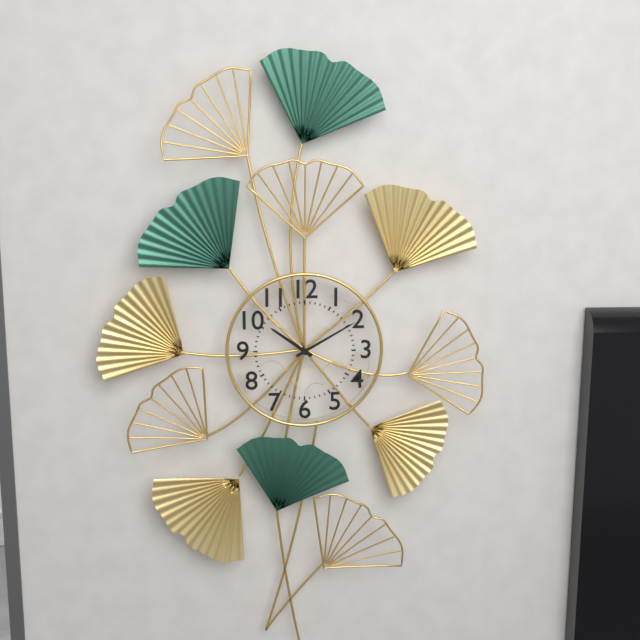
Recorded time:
{"hour": 10, "minute": 10}
